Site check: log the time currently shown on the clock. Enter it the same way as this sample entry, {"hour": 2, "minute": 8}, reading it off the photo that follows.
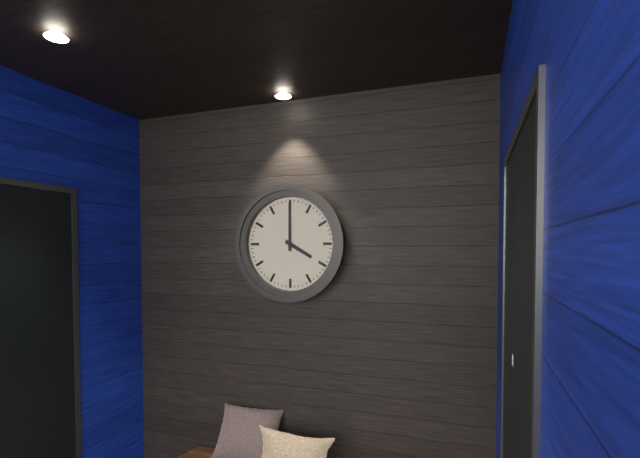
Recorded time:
{"hour": 4, "minute": 0}
